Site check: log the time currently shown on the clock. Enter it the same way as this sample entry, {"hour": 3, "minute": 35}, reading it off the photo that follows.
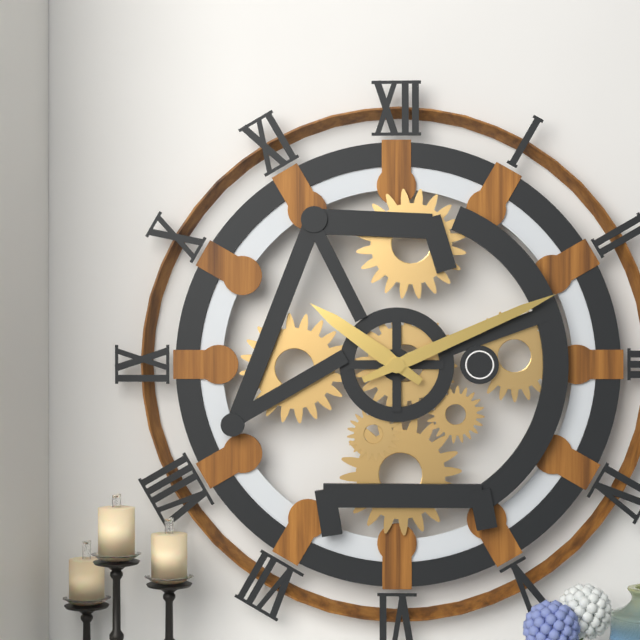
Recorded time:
{"hour": 10, "minute": 11}
